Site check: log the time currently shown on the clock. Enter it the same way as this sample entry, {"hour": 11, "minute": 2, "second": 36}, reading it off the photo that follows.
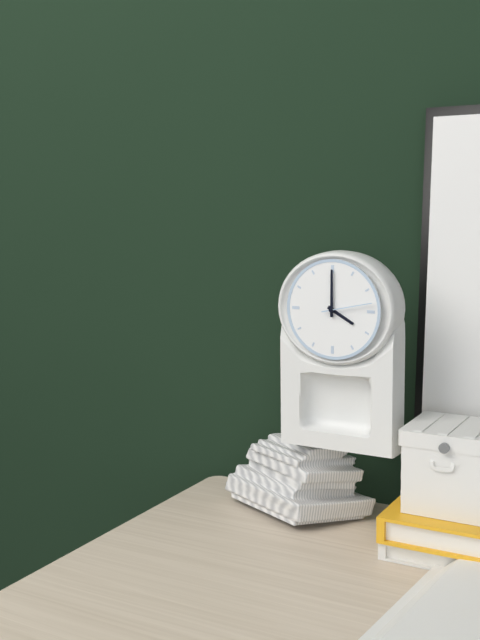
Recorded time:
{"hour": 4, "minute": 0, "second": 13}
